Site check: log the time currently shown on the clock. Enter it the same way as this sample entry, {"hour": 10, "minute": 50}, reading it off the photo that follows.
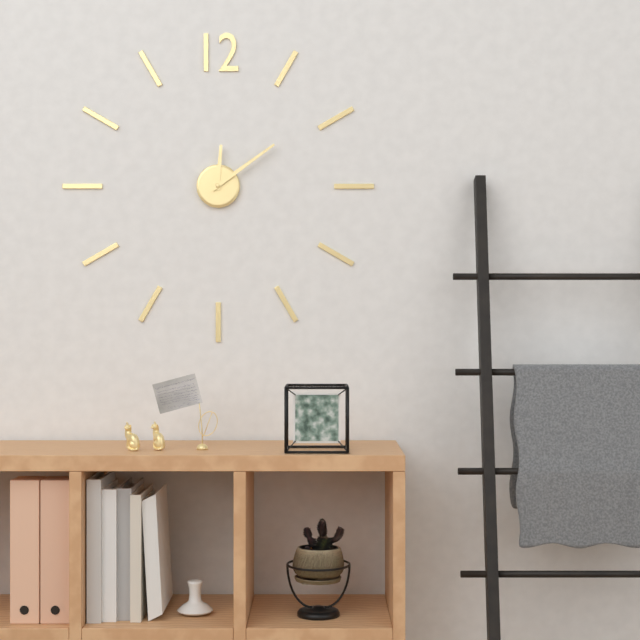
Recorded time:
{"hour": 12, "minute": 9}
